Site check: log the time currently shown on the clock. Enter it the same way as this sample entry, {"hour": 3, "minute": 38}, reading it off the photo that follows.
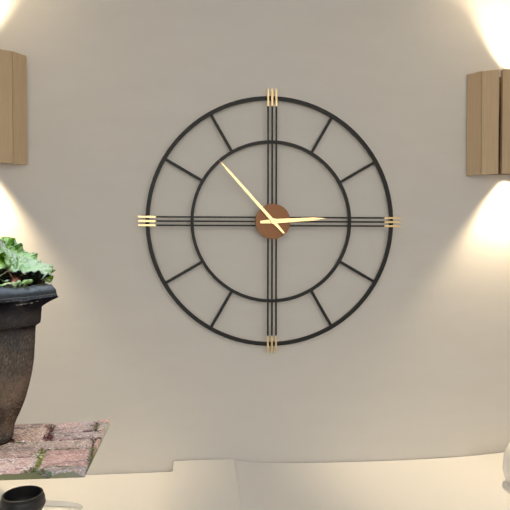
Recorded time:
{"hour": 2, "minute": 53}
